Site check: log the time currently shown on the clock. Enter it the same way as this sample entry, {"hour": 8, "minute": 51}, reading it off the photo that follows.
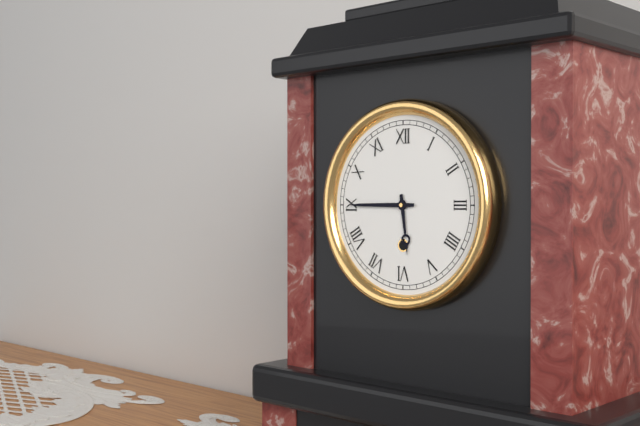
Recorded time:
{"hour": 5, "minute": 45}
